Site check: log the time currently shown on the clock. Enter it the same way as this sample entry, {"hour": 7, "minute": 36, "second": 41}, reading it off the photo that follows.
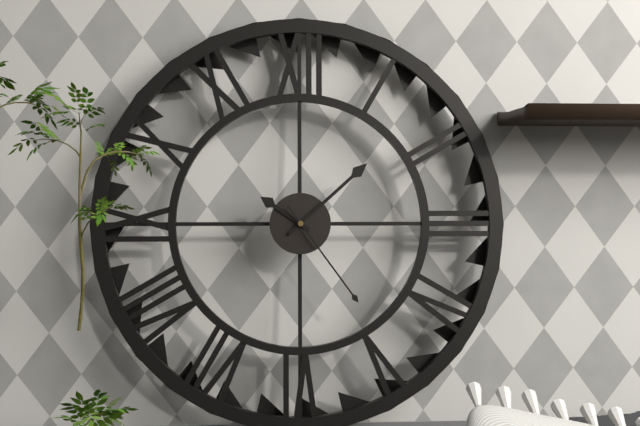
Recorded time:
{"hour": 10, "minute": 8, "second": 24}
